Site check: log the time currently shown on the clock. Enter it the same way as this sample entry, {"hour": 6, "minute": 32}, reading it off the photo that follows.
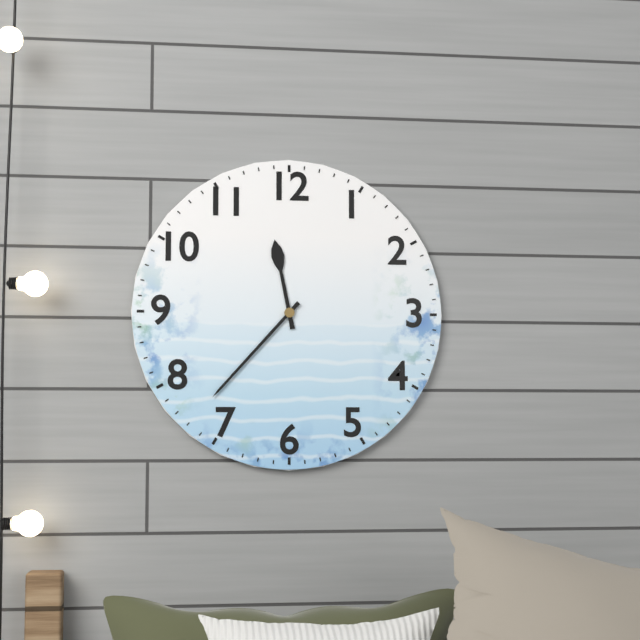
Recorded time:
{"hour": 11, "minute": 37}
